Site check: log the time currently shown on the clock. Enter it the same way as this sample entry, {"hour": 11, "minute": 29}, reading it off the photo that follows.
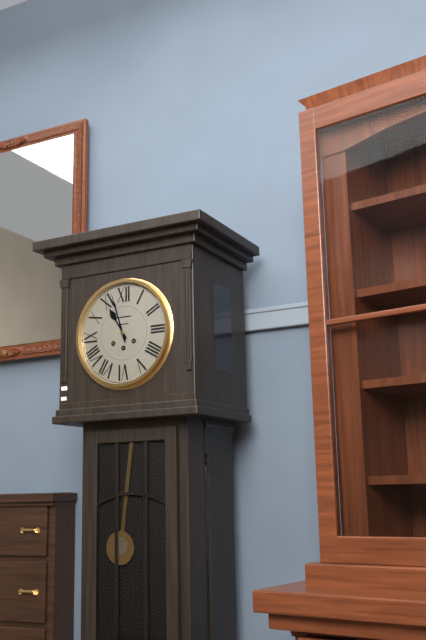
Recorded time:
{"hour": 10, "minute": 57}
